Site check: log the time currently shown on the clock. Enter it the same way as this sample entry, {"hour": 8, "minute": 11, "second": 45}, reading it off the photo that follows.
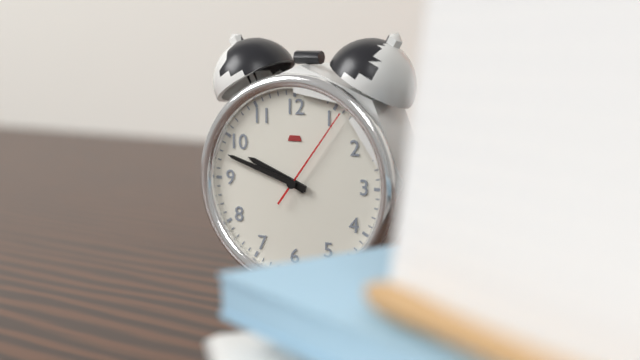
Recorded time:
{"hour": 9, "minute": 48, "second": 6}
